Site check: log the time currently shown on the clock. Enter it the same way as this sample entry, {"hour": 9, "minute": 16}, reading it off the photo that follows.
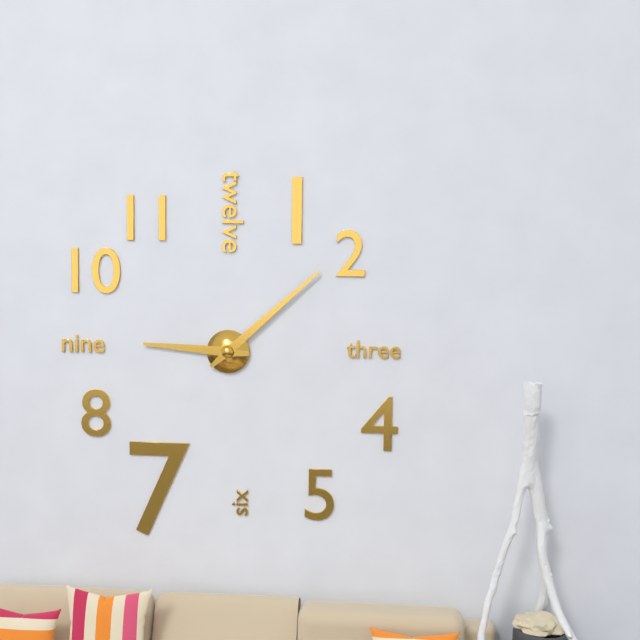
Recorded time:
{"hour": 9, "minute": 8}
